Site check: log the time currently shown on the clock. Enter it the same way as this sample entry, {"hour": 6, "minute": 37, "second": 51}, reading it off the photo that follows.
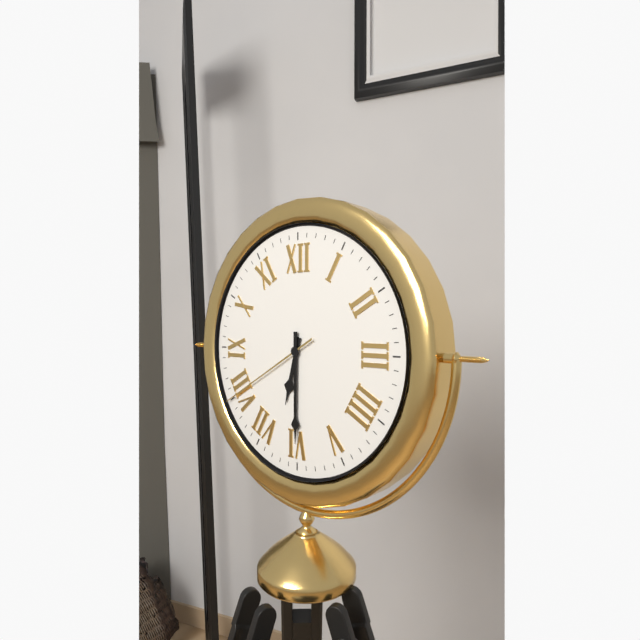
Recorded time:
{"hour": 6, "minute": 30, "second": 40}
